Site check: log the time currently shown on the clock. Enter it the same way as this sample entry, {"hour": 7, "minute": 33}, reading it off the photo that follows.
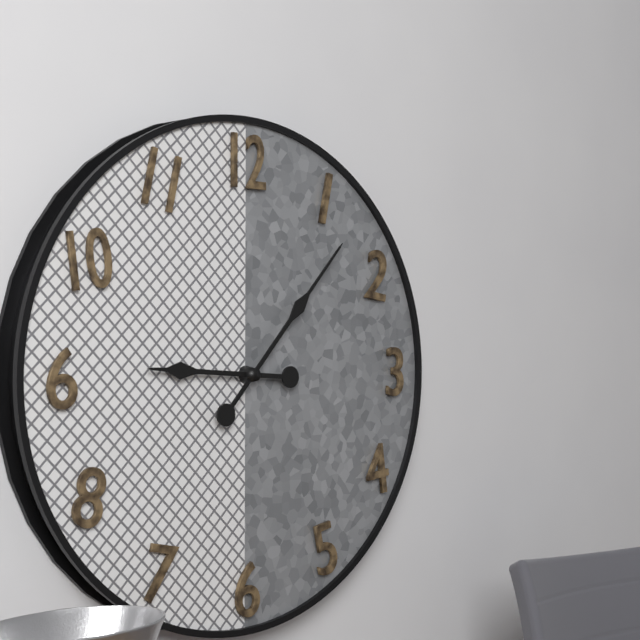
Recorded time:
{"hour": 9, "minute": 7}
